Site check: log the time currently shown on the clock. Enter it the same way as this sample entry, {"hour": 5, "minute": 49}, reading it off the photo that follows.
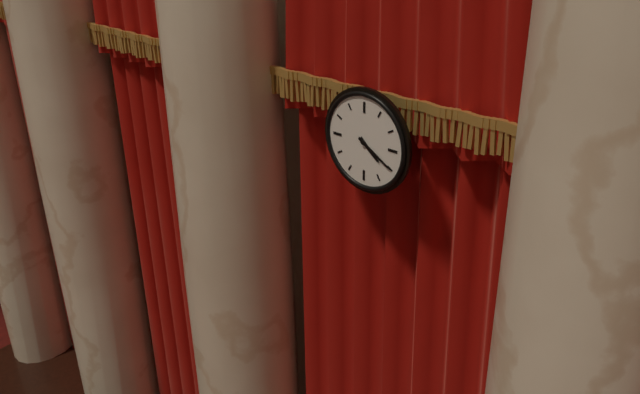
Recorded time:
{"hour": 4, "minute": 20}
